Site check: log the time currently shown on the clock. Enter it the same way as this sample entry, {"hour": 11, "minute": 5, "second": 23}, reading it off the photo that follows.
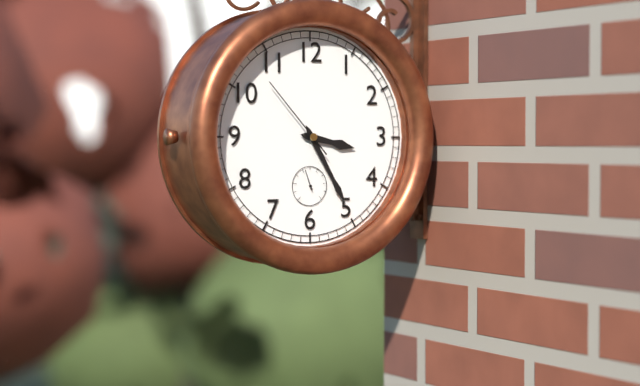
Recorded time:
{"hour": 3, "minute": 25, "second": 53}
